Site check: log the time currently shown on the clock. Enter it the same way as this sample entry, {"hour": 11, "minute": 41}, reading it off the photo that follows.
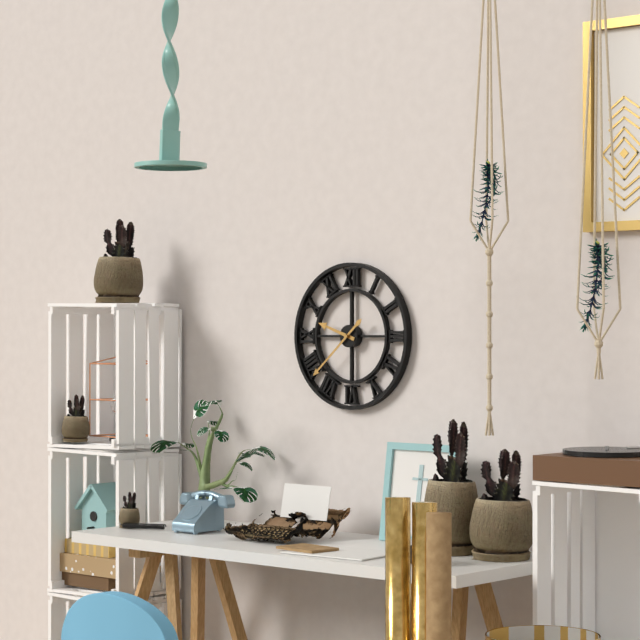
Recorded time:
{"hour": 9, "minute": 38}
